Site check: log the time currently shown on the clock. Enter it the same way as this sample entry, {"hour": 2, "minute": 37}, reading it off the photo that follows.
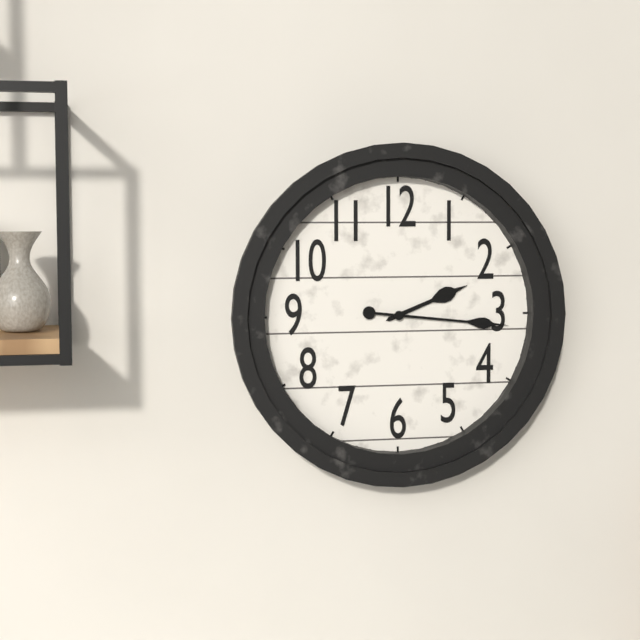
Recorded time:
{"hour": 2, "minute": 16}
